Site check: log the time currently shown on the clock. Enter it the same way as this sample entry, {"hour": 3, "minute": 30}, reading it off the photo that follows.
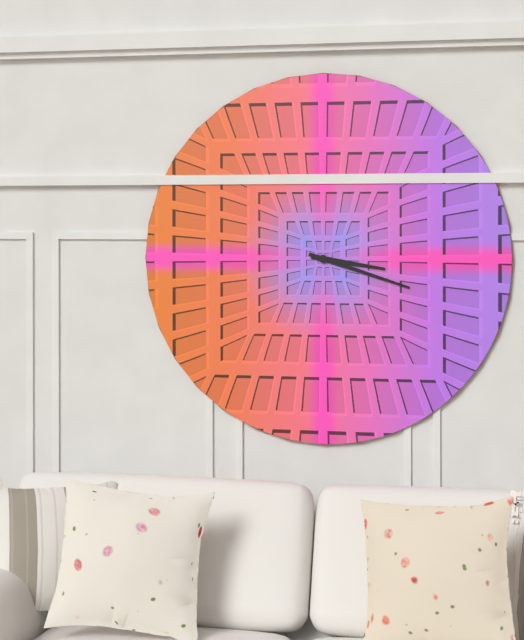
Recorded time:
{"hour": 3, "minute": 18}
